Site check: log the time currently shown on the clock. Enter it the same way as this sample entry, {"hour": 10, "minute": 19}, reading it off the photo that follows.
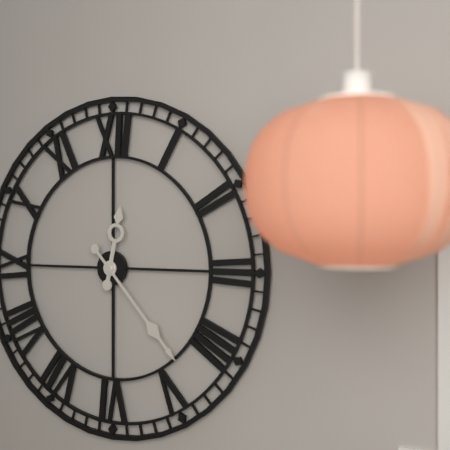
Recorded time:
{"hour": 12, "minute": 23}
